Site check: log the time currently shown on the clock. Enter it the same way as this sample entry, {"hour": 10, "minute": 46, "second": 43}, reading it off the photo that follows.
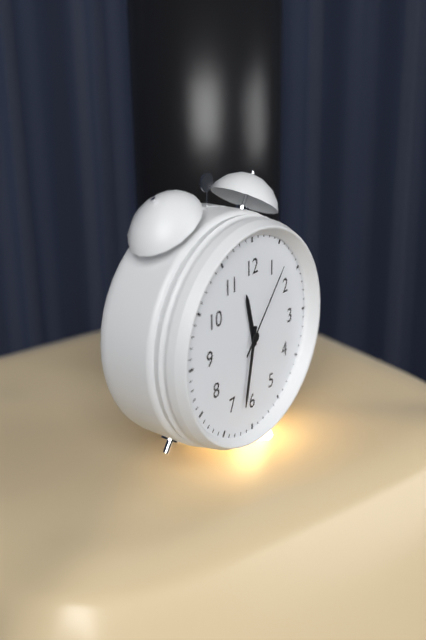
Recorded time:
{"hour": 11, "minute": 32, "second": 7}
